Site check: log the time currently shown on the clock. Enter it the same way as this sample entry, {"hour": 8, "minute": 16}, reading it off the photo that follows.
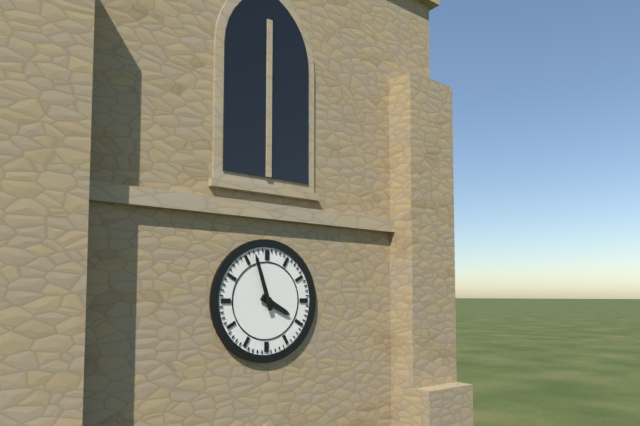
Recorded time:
{"hour": 3, "minute": 57}
